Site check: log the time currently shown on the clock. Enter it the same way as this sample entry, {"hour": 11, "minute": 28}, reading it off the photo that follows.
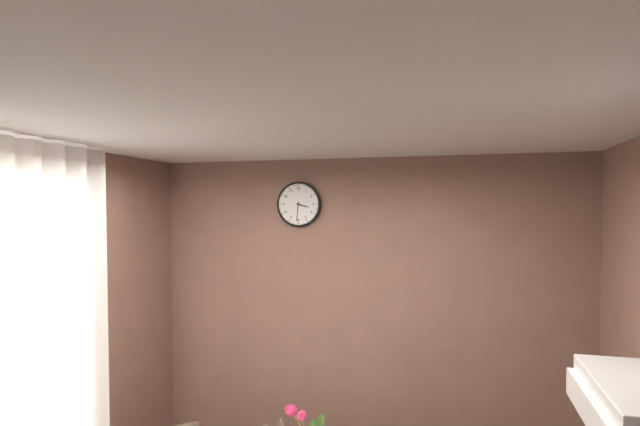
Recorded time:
{"hour": 3, "minute": 31}
